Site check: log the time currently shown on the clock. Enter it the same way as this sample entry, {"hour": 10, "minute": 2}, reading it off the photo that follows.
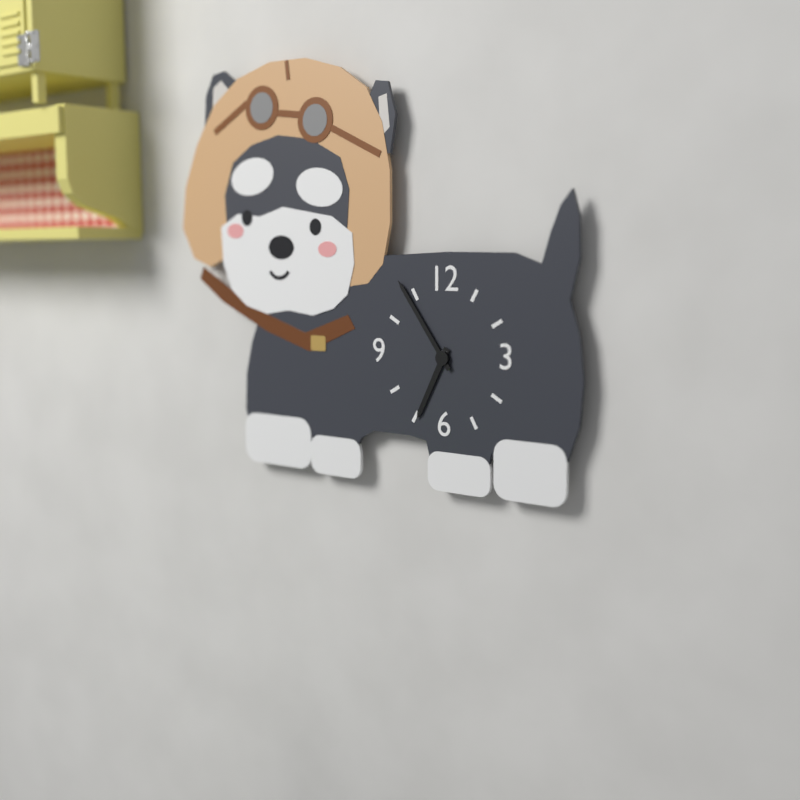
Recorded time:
{"hour": 6, "minute": 54}
